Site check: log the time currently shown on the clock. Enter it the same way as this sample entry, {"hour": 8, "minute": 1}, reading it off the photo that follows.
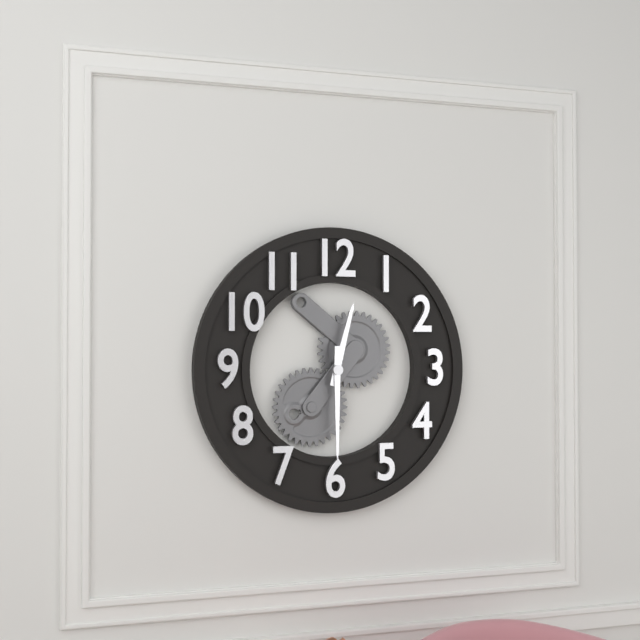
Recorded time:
{"hour": 12, "minute": 30}
